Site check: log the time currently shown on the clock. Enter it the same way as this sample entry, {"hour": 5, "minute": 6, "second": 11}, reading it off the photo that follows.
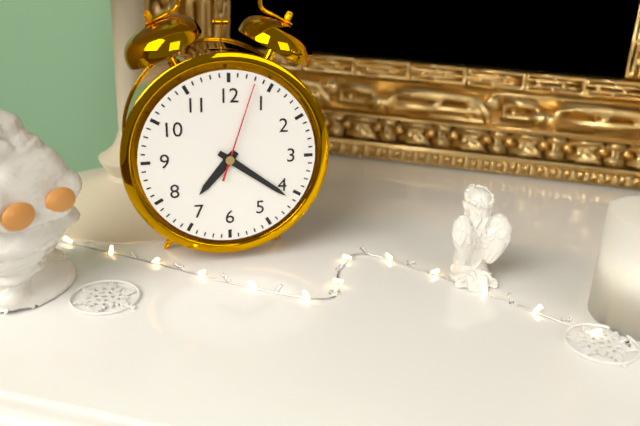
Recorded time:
{"hour": 7, "minute": 21, "second": 3}
